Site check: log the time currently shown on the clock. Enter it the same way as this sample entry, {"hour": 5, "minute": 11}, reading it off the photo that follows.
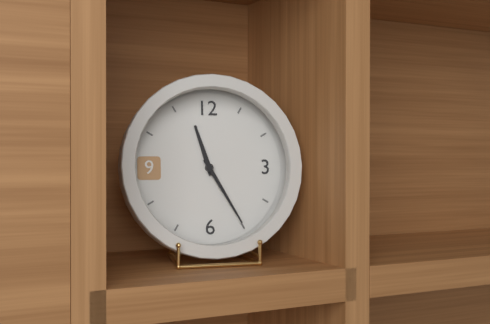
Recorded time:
{"hour": 11, "minute": 25}
